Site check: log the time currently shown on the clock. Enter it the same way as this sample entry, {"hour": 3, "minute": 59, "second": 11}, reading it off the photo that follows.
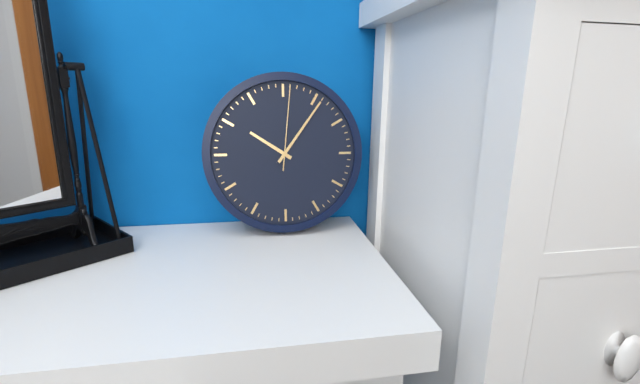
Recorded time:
{"hour": 10, "minute": 6, "second": 1}
